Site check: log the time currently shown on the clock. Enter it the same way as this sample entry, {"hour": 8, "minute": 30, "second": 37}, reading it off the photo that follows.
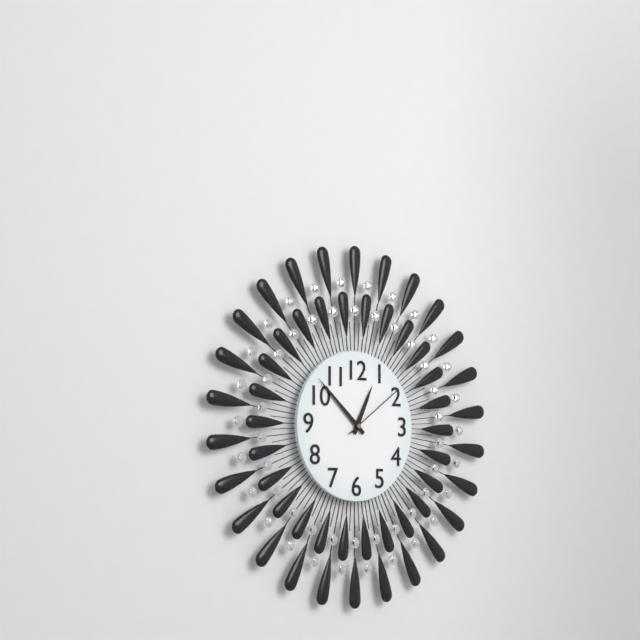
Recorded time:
{"hour": 12, "minute": 52, "second": 9}
